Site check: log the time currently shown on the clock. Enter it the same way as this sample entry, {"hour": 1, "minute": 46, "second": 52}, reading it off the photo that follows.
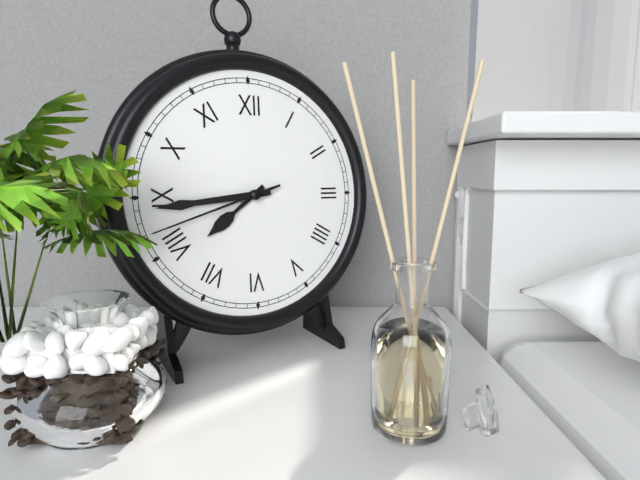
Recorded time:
{"hour": 7, "minute": 44, "second": 42}
